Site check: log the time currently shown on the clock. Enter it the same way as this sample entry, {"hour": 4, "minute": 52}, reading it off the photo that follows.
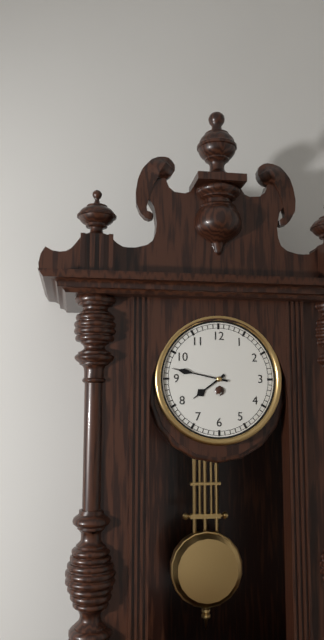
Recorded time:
{"hour": 7, "minute": 47}
